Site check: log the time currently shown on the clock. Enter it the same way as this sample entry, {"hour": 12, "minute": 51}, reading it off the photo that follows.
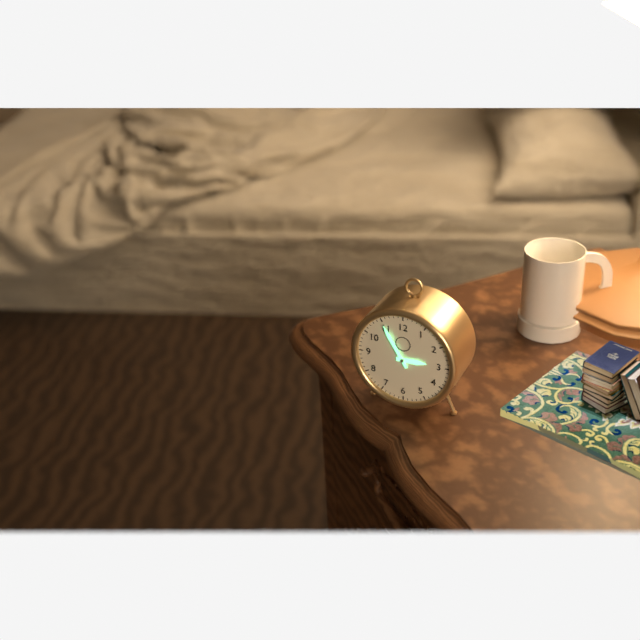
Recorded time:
{"hour": 2, "minute": 55}
